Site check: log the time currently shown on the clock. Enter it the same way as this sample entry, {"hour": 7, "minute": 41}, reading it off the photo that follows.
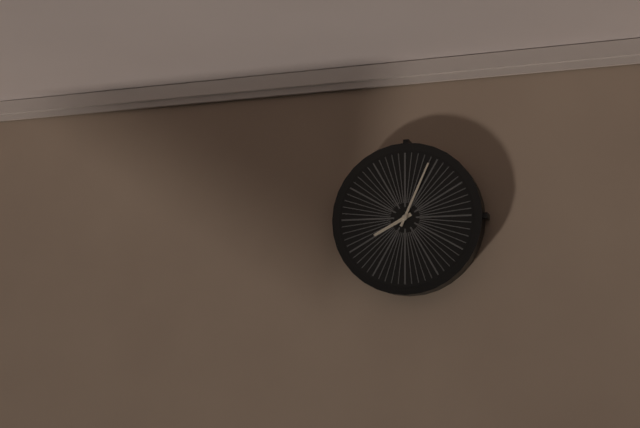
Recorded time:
{"hour": 8, "minute": 4}
